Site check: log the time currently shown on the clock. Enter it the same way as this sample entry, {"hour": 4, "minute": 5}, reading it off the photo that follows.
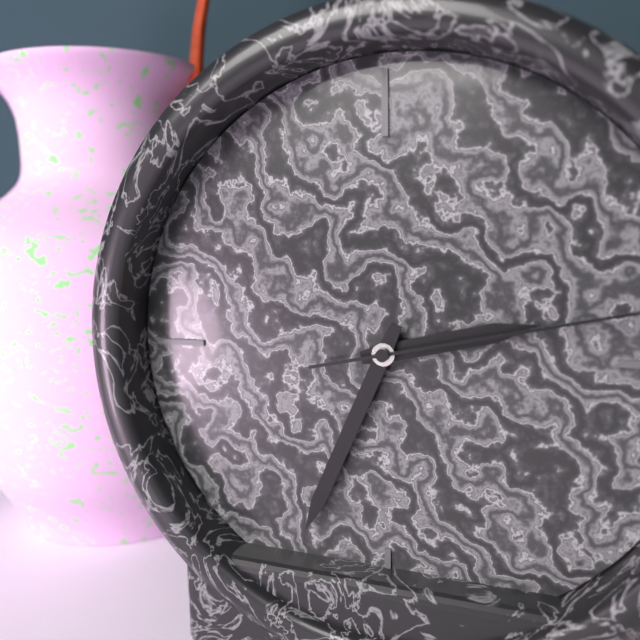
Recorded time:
{"hour": 2, "minute": 34}
